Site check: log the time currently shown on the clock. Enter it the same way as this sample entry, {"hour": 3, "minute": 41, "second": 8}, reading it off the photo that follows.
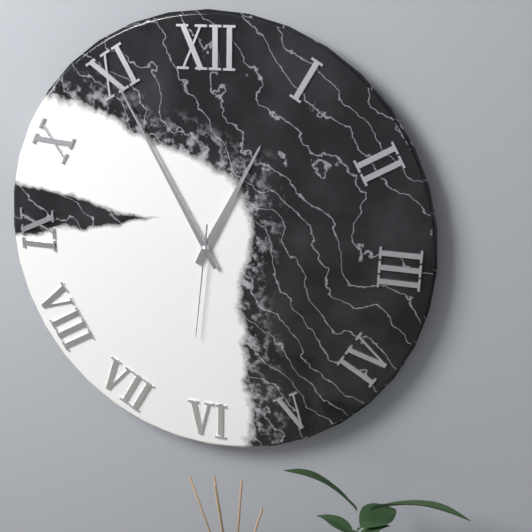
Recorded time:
{"hour": 12, "minute": 55, "second": 31}
